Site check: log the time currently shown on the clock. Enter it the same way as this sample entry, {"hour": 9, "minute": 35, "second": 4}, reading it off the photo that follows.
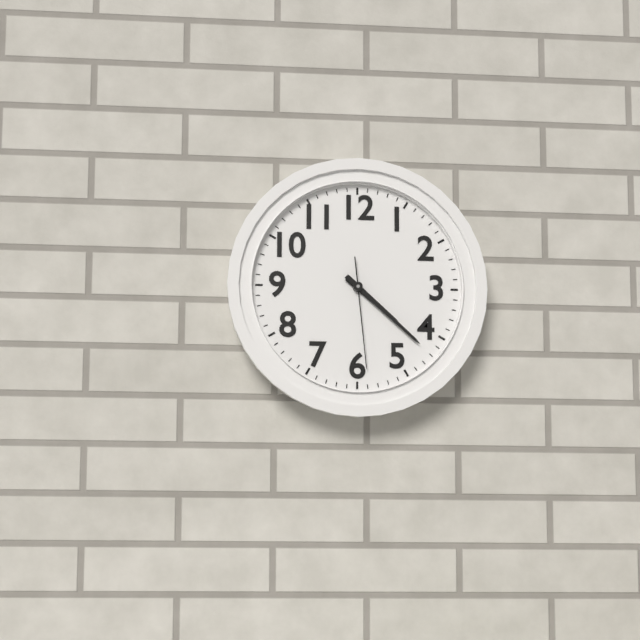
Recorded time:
{"hour": 4, "minute": 22, "second": 29}
